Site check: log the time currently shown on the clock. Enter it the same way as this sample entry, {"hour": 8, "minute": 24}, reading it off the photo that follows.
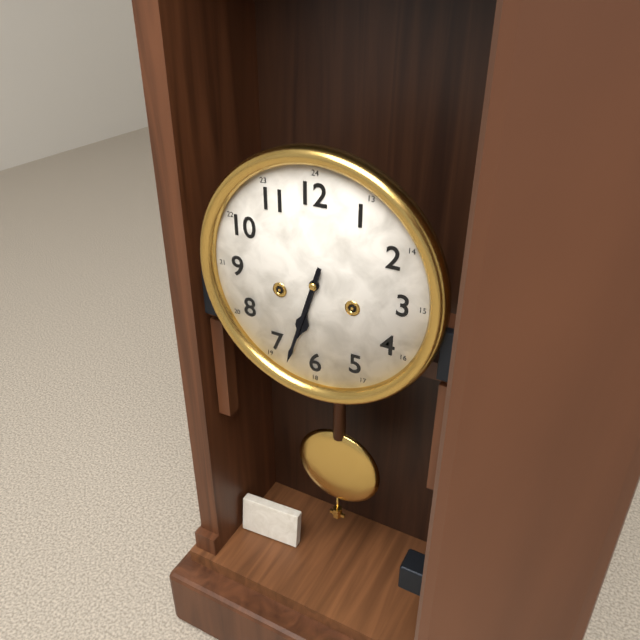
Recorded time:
{"hour": 6, "minute": 33}
